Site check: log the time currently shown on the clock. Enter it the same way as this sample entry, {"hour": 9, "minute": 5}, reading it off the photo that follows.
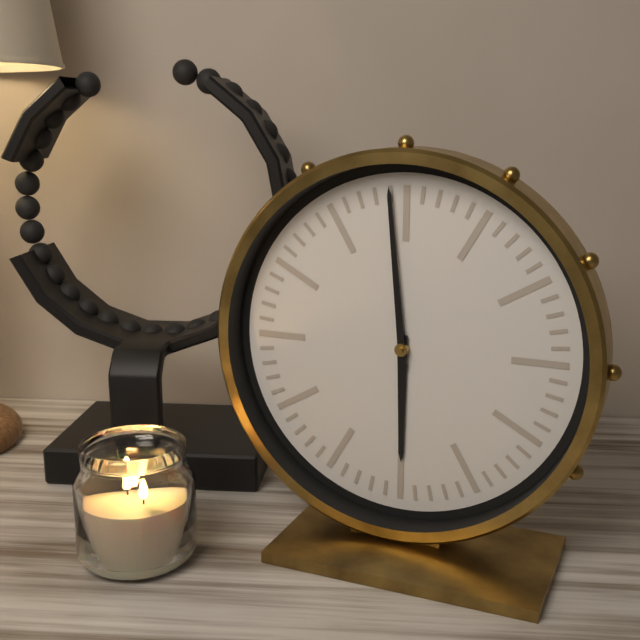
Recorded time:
{"hour": 5, "minute": 59}
